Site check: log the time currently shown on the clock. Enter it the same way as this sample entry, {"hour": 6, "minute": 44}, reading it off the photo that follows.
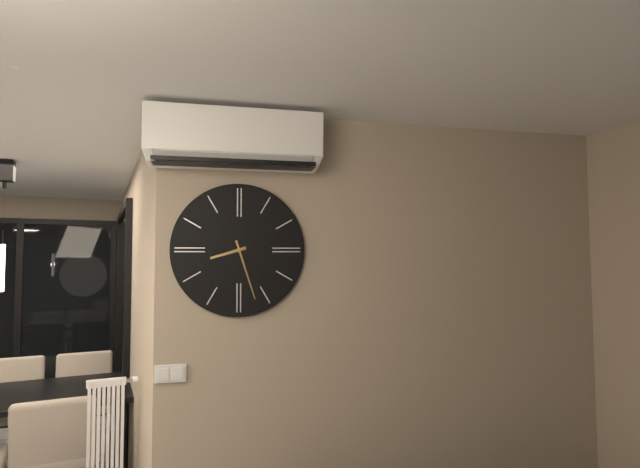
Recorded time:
{"hour": 8, "minute": 27}
